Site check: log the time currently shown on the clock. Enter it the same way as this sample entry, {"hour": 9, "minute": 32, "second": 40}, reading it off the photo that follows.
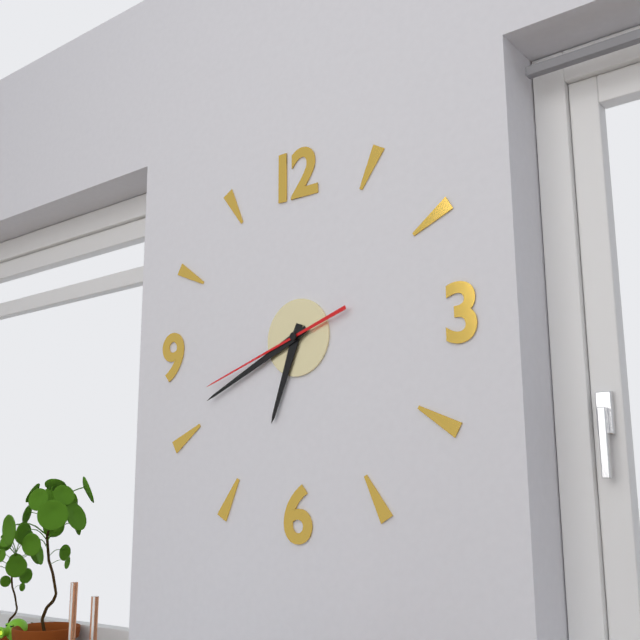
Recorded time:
{"hour": 6, "minute": 41, "second": 42}
